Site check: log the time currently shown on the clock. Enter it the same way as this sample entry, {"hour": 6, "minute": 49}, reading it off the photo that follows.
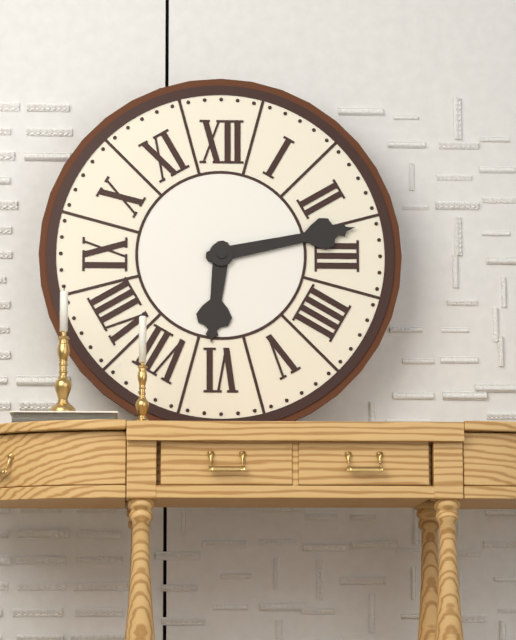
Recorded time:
{"hour": 6, "minute": 13}
